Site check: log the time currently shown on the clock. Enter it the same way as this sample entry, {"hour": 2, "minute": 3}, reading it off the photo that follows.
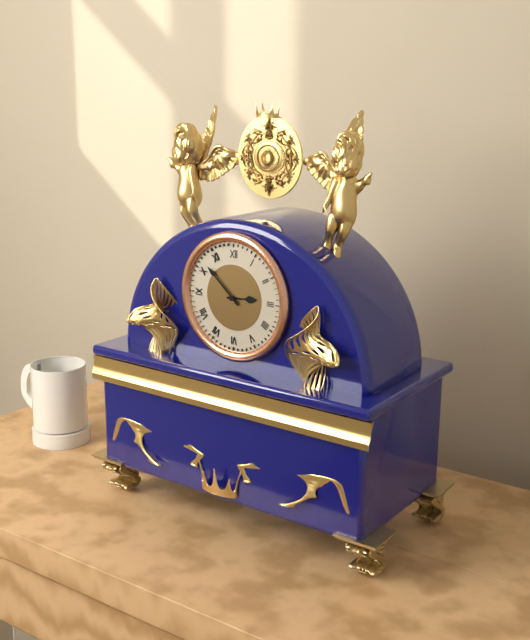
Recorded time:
{"hour": 2, "minute": 52}
